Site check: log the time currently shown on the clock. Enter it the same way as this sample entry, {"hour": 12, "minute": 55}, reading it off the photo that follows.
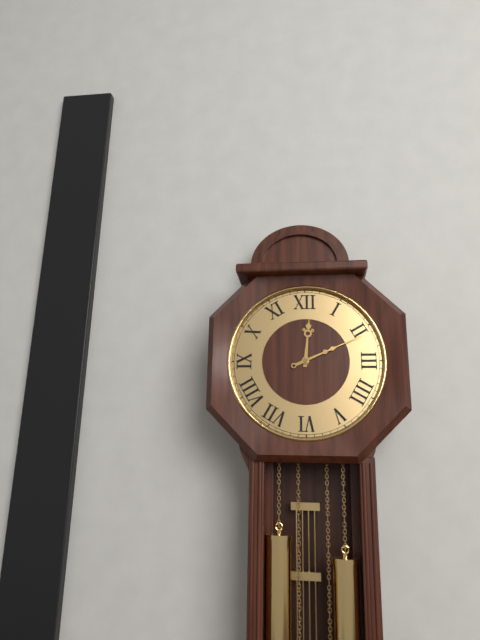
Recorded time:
{"hour": 12, "minute": 11}
